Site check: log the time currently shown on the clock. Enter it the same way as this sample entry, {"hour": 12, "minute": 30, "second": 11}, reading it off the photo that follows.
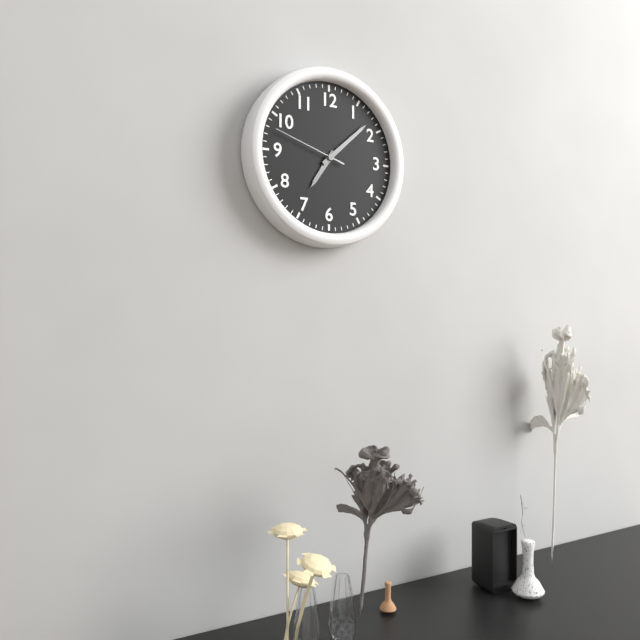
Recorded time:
{"hour": 7, "minute": 8, "second": 48}
